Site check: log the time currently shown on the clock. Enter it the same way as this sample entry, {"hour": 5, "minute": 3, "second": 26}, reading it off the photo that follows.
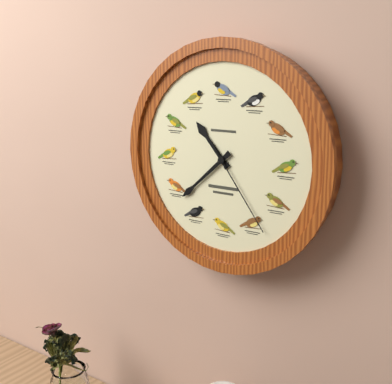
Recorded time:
{"hour": 10, "minute": 38, "second": 24}
